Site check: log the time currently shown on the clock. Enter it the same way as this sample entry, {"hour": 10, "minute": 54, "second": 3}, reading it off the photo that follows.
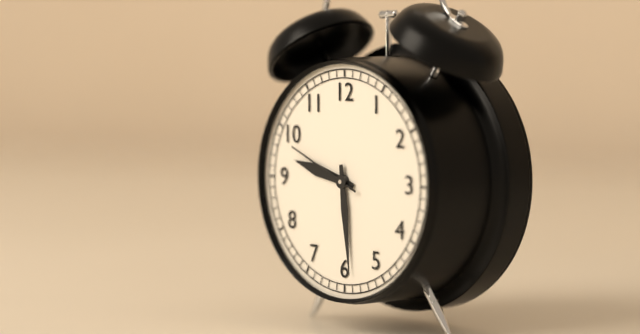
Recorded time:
{"hour": 9, "minute": 29, "second": 49}
